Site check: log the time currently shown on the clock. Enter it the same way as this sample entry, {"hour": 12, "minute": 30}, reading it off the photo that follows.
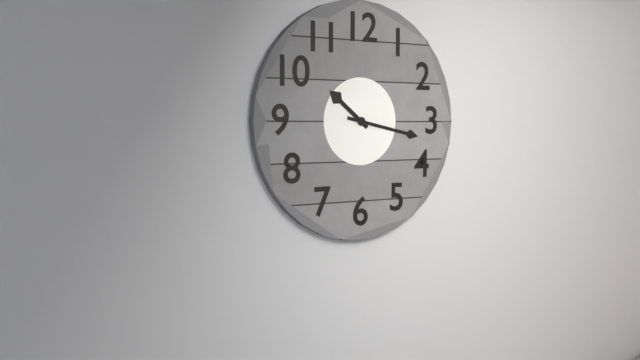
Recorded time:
{"hour": 10, "minute": 17}
